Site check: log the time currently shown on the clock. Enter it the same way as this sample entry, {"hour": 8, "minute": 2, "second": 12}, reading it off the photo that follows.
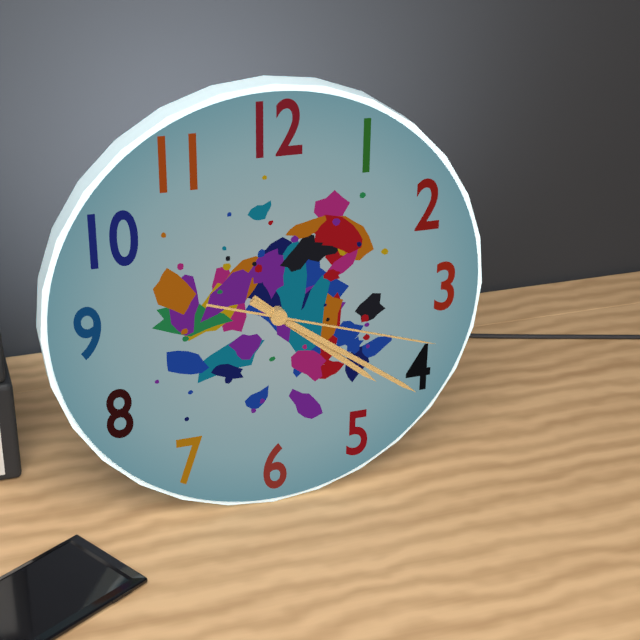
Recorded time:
{"hour": 4, "minute": 21, "second": 18}
